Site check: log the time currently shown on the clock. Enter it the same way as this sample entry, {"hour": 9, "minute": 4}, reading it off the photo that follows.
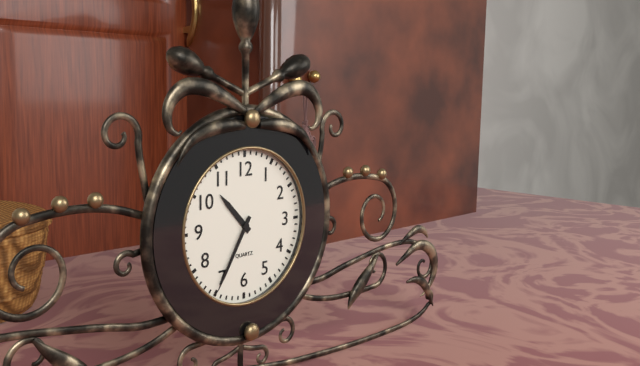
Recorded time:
{"hour": 10, "minute": 35}
